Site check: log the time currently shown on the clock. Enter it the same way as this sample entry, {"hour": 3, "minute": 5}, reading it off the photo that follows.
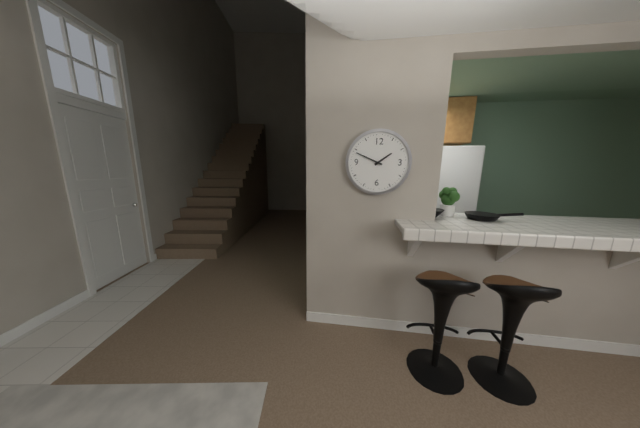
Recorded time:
{"hour": 1, "minute": 49}
